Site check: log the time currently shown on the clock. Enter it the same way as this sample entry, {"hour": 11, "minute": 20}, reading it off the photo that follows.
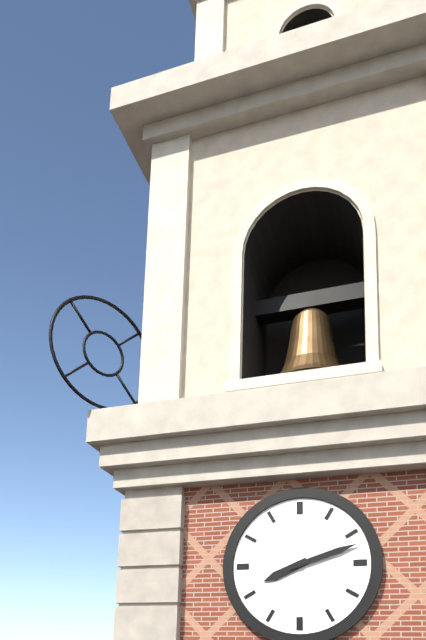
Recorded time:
{"hour": 8, "minute": 12}
